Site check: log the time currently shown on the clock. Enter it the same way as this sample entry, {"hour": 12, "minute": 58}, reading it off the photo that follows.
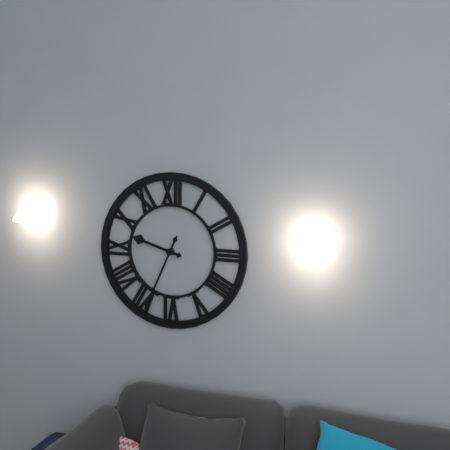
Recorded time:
{"hour": 9, "minute": 34}
